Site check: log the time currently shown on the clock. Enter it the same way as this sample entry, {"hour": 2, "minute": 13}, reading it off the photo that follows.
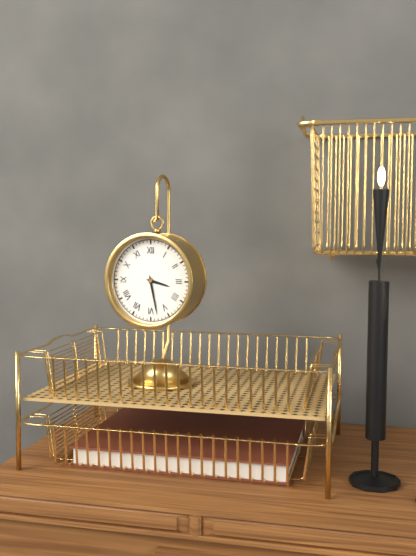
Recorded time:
{"hour": 3, "minute": 28}
